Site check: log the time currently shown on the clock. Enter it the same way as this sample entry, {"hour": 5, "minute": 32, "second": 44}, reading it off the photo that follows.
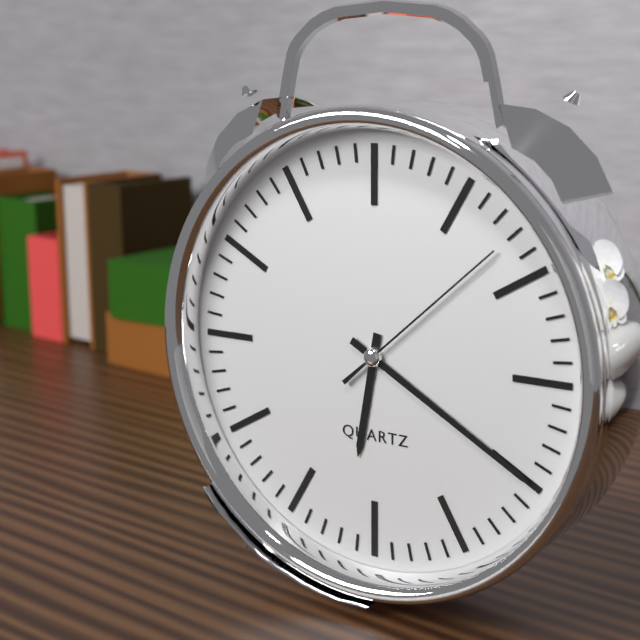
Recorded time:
{"hour": 6, "minute": 20, "second": 8}
